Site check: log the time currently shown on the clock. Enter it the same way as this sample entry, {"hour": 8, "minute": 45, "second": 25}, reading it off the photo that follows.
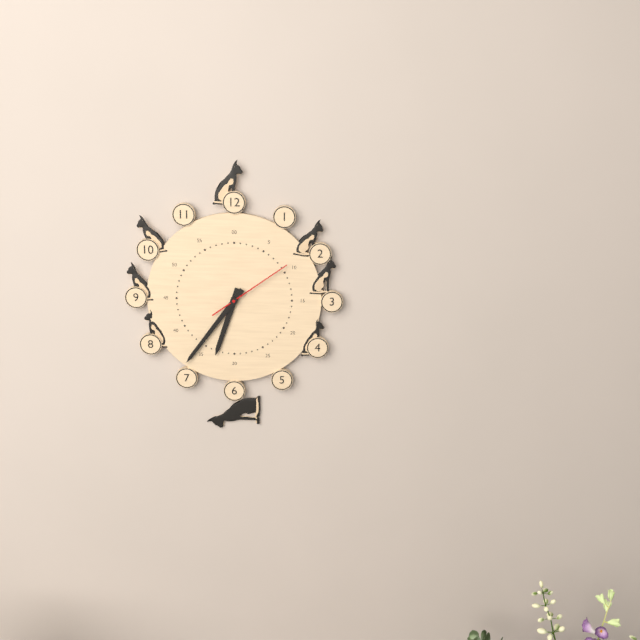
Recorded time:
{"hour": 6, "minute": 36, "second": 9}
